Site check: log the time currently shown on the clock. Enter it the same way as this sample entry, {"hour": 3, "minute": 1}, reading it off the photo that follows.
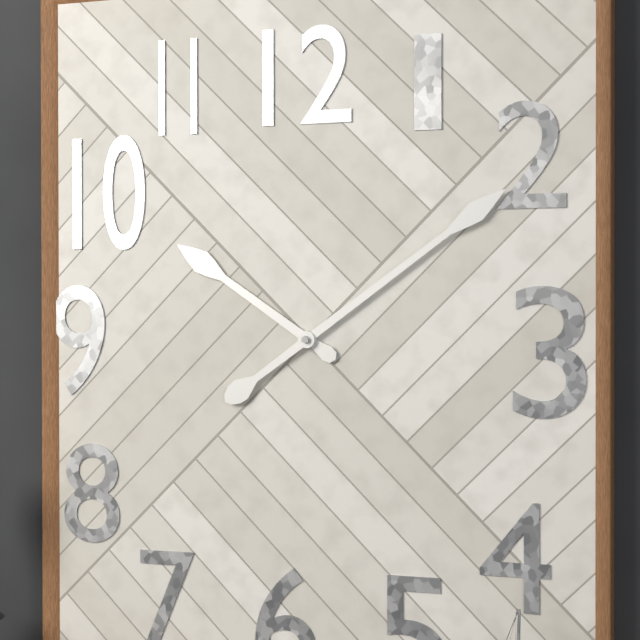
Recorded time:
{"hour": 10, "minute": 9}
